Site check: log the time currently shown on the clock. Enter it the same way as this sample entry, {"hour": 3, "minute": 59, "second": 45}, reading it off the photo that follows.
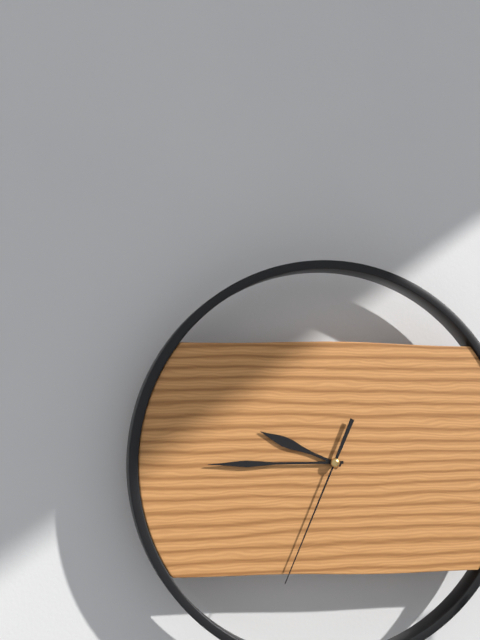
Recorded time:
{"hour": 9, "minute": 45, "second": 34}
